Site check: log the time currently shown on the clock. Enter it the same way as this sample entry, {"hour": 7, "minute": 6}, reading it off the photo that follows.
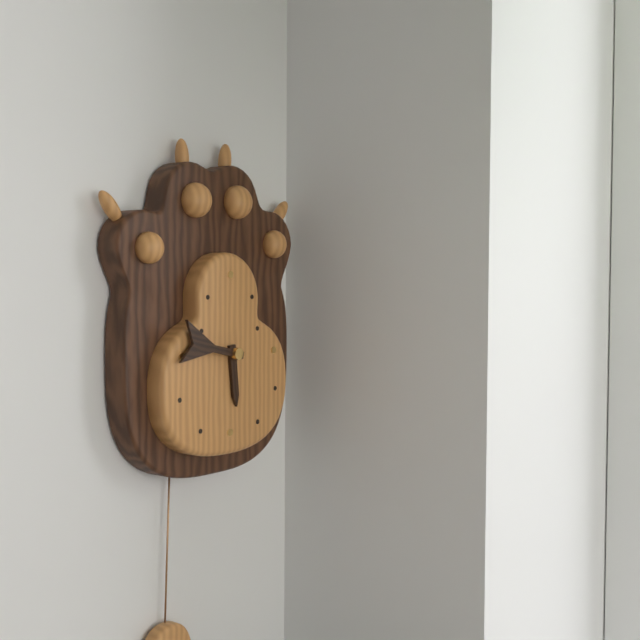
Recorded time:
{"hour": 5, "minute": 47}
